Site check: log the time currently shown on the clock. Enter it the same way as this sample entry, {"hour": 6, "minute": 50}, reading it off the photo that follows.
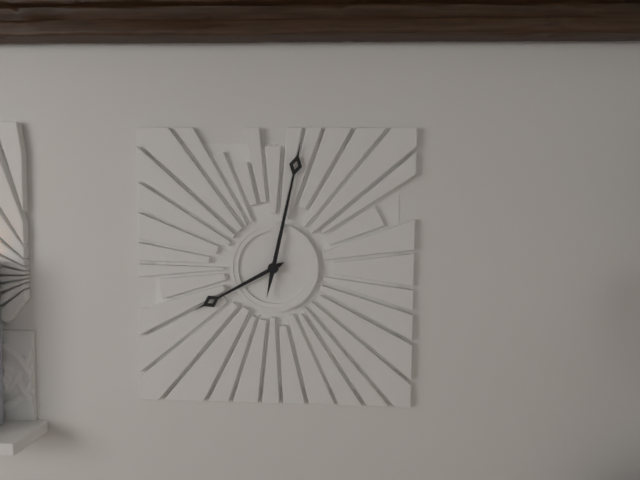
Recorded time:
{"hour": 8, "minute": 2}
